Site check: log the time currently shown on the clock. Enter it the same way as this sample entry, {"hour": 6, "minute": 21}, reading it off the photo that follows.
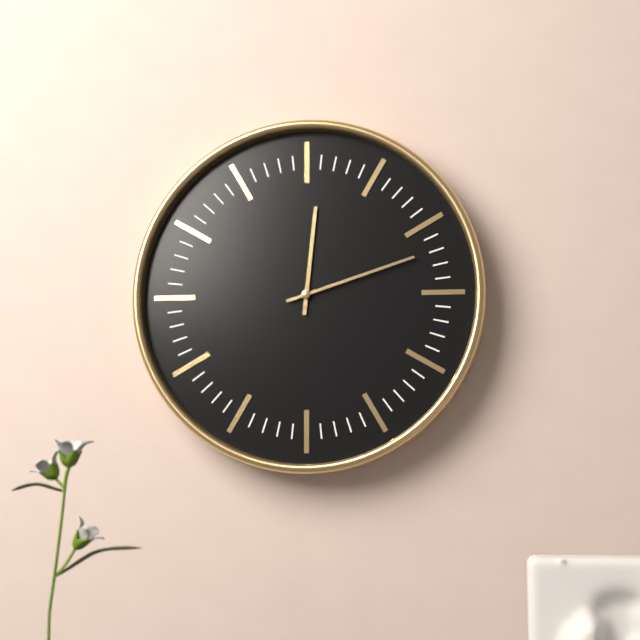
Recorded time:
{"hour": 12, "minute": 12}
